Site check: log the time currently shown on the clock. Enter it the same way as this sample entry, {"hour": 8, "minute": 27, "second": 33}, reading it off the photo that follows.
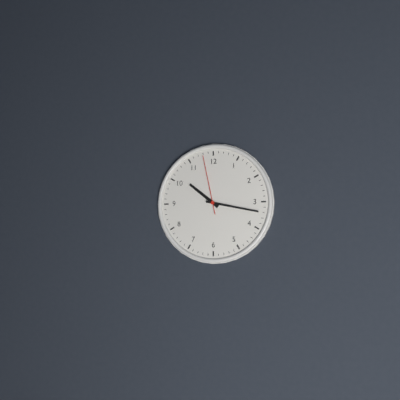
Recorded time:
{"hour": 10, "minute": 17, "second": 58}
